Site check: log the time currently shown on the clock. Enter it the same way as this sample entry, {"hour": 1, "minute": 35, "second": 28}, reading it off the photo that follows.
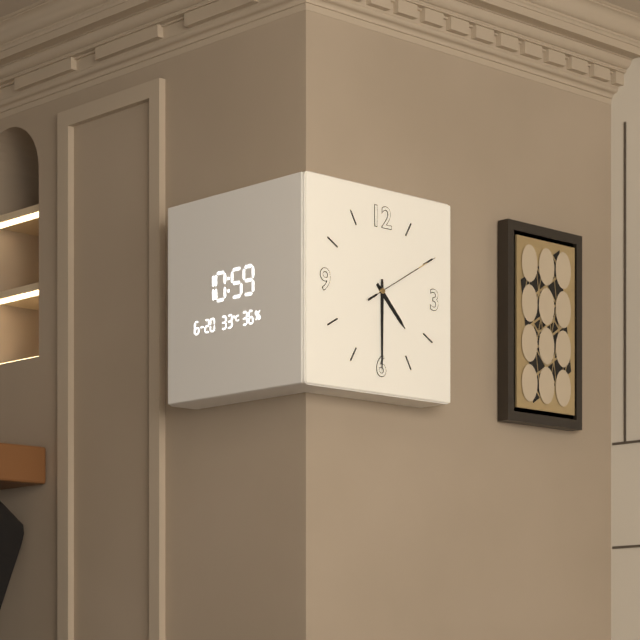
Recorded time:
{"hour": 4, "minute": 30, "second": 10}
